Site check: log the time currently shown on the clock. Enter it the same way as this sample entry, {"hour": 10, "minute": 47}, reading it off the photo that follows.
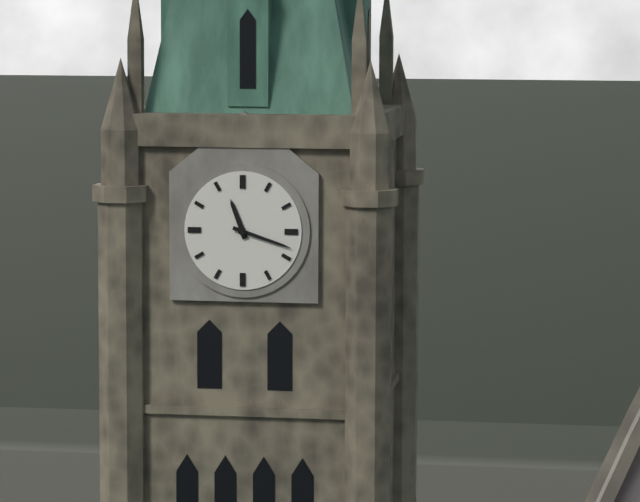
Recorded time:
{"hour": 11, "minute": 18}
